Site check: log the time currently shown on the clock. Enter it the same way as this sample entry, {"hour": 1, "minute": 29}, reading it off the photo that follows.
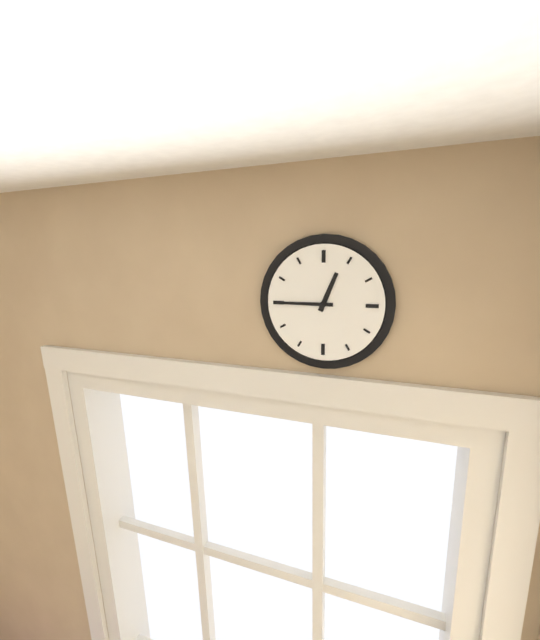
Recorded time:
{"hour": 12, "minute": 45}
